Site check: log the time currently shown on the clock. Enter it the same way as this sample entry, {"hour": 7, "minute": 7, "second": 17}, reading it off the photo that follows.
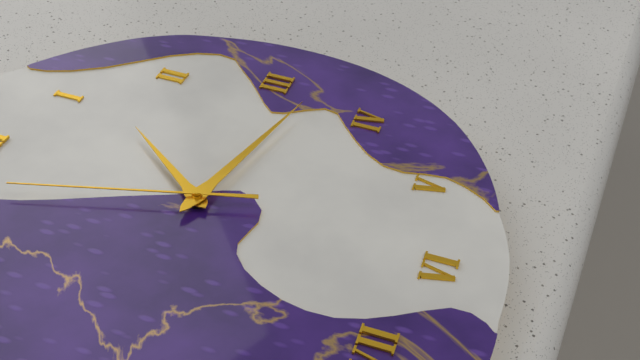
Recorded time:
{"hour": 1, "minute": 17, "second": 57}
